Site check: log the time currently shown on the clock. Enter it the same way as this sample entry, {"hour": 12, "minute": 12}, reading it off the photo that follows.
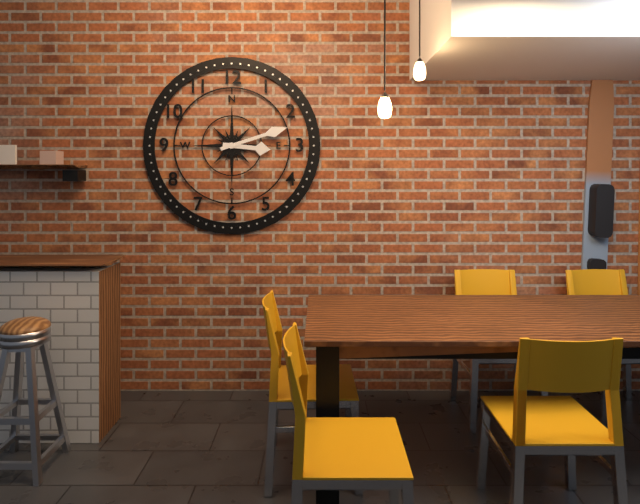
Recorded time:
{"hour": 3, "minute": 12}
